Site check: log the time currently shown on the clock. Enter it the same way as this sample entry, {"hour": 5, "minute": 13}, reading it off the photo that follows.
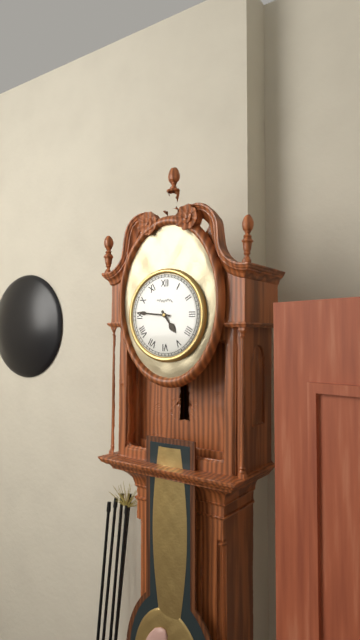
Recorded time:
{"hour": 4, "minute": 46}
